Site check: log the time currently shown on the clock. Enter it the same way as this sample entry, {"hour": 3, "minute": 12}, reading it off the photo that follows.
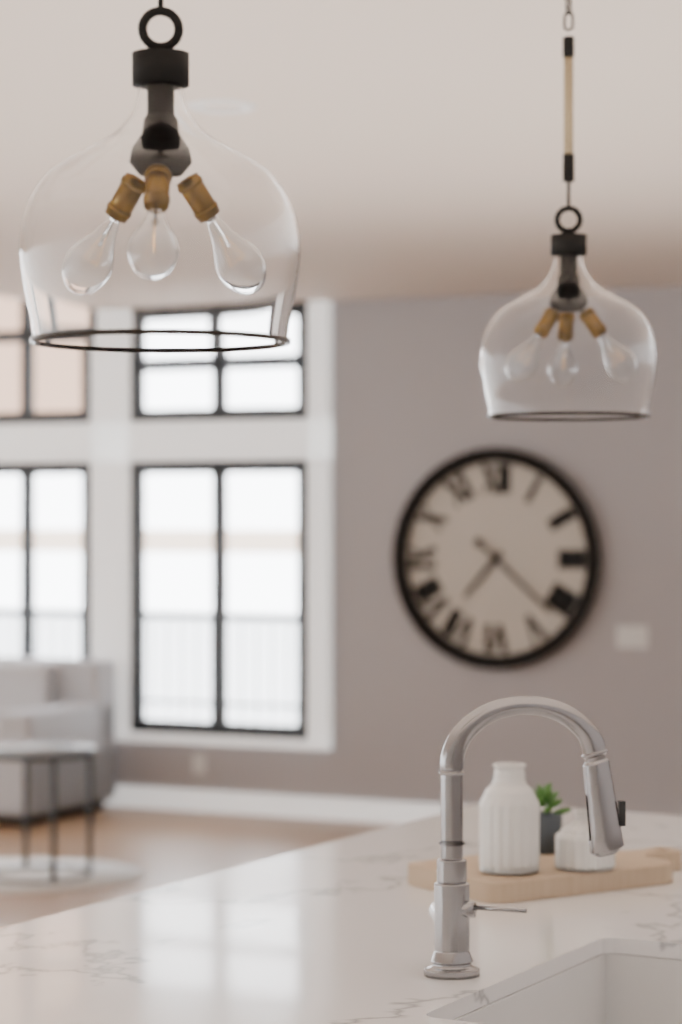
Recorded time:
{"hour": 7, "minute": 22}
